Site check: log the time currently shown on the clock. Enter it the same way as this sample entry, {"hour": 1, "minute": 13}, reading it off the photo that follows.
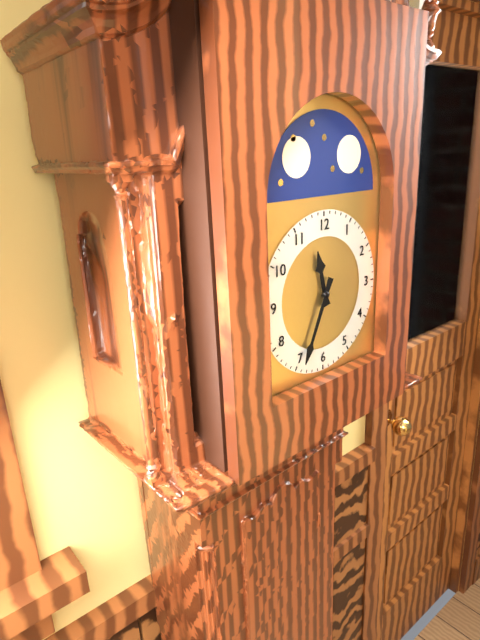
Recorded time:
{"hour": 11, "minute": 34}
